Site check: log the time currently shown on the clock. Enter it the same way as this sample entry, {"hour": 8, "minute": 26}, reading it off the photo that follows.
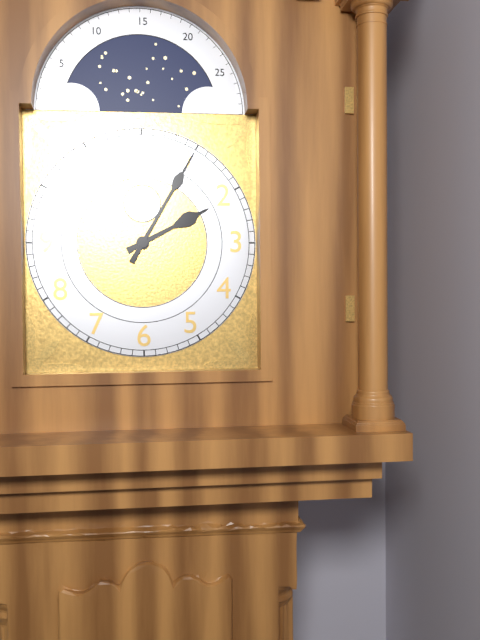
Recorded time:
{"hour": 2, "minute": 5}
